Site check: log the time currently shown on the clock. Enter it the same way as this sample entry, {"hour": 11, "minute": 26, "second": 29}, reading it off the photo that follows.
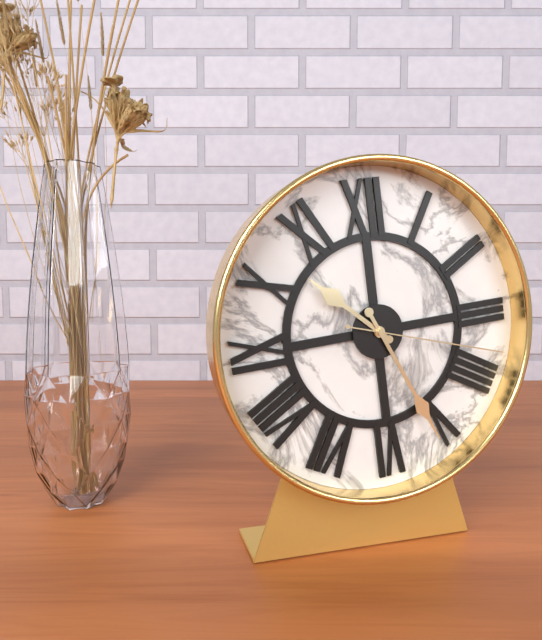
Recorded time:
{"hour": 10, "minute": 26, "second": 18}
